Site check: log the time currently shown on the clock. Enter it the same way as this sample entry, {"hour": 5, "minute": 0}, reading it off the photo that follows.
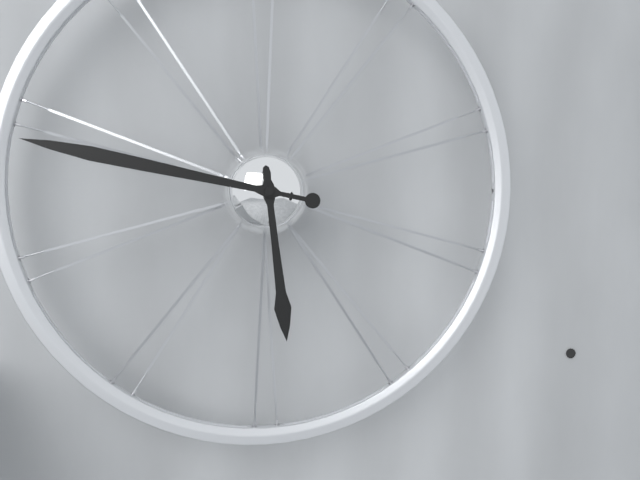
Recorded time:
{"hour": 5, "minute": 47}
